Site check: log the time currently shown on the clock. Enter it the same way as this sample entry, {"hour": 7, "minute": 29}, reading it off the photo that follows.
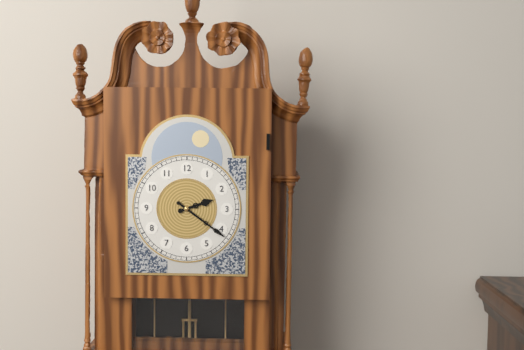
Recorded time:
{"hour": 2, "minute": 21}
